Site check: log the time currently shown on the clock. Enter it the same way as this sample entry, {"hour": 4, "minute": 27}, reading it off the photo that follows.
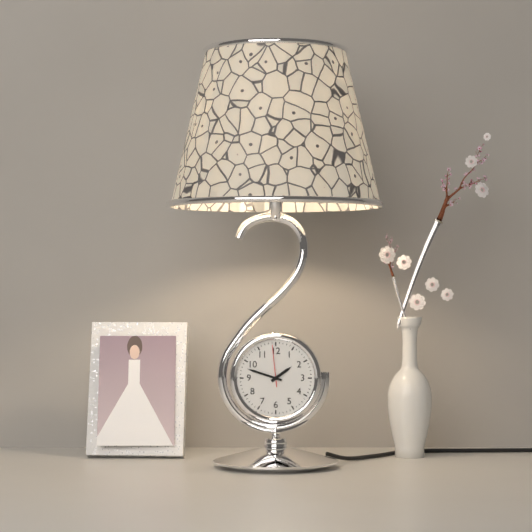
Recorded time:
{"hour": 1, "minute": 48}
